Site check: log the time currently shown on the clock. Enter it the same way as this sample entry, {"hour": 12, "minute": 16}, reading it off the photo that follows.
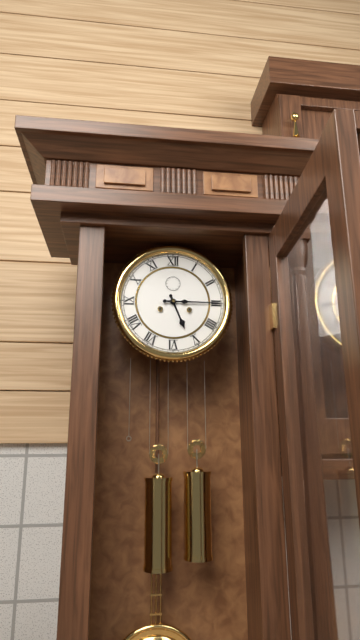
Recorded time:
{"hour": 5, "minute": 15}
